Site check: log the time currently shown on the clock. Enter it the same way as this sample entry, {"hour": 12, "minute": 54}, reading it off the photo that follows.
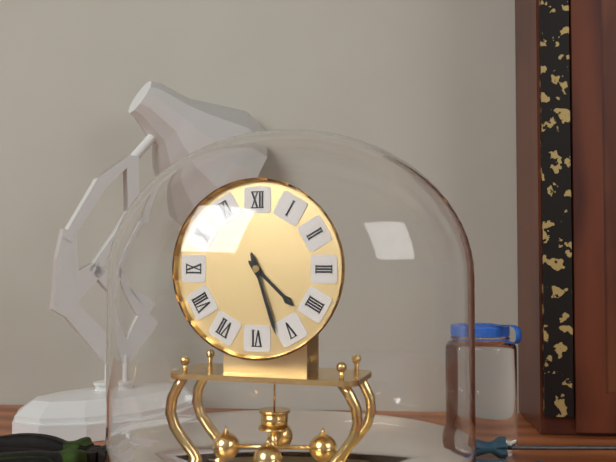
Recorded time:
{"hour": 4, "minute": 27}
